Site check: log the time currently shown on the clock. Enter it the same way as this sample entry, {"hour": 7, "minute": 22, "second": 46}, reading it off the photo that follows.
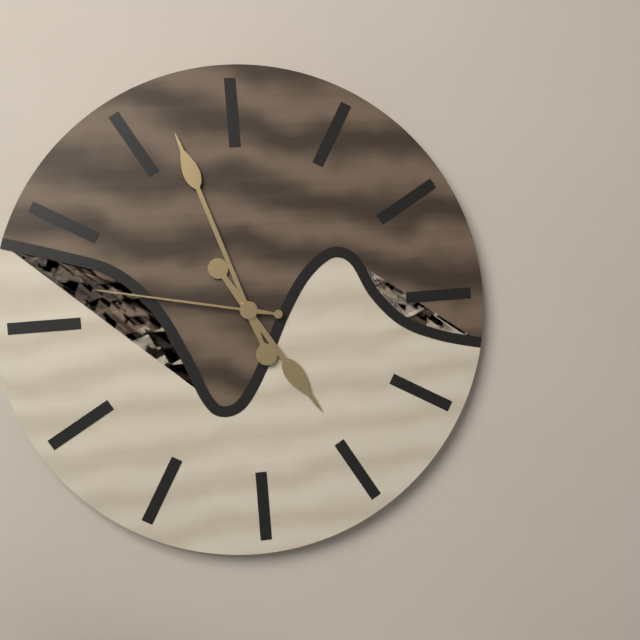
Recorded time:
{"hour": 4, "minute": 57, "second": 47}
